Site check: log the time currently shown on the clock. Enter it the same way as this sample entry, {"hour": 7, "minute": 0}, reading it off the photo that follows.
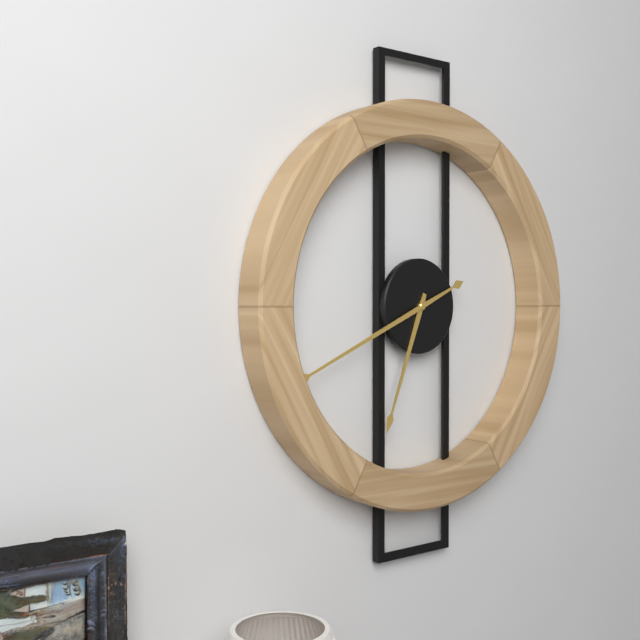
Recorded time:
{"hour": 6, "minute": 41}
